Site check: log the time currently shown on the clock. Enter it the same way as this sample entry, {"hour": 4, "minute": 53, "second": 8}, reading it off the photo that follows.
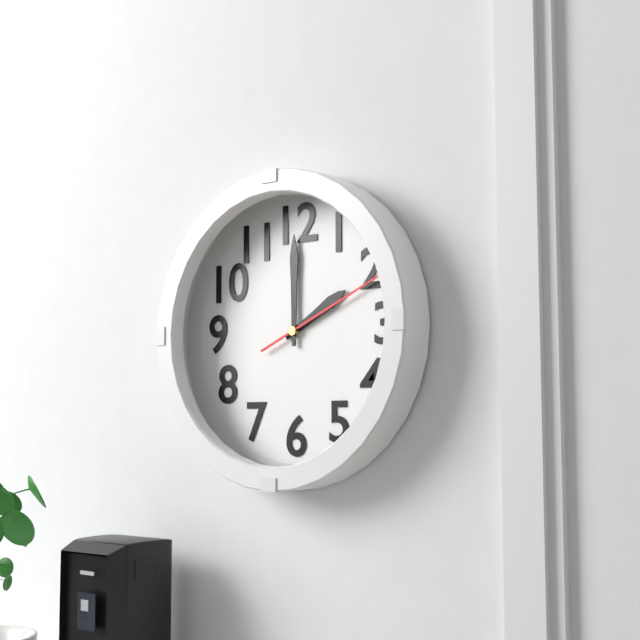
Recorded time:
{"hour": 2, "minute": 0, "second": 11}
